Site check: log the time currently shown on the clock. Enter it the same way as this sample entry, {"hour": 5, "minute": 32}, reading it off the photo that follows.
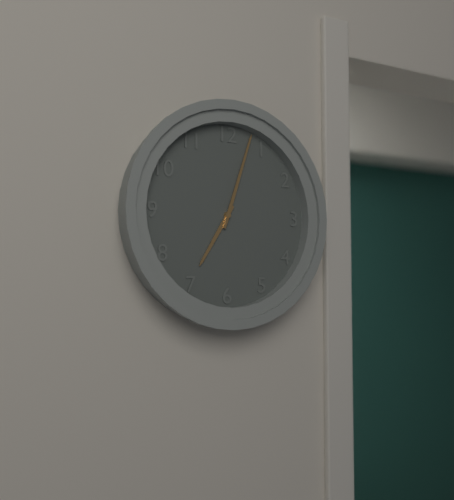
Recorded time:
{"hour": 7, "minute": 3}
